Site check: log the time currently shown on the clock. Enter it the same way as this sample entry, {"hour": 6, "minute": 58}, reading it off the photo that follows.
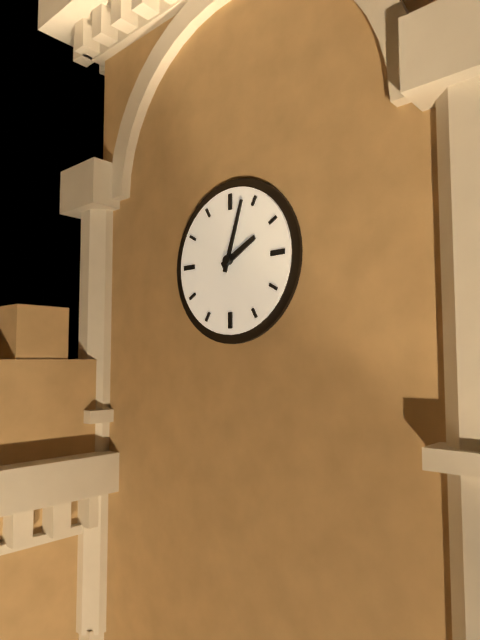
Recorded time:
{"hour": 2, "minute": 3}
